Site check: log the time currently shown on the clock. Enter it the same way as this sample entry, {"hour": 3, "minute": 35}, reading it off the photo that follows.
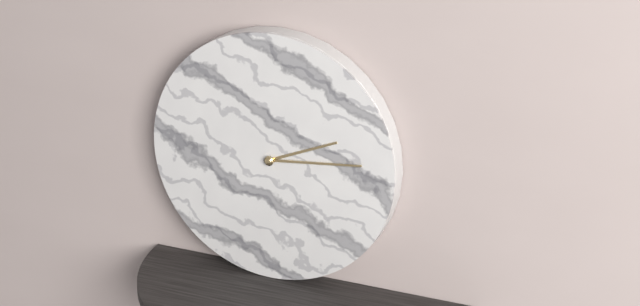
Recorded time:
{"hour": 2, "minute": 14}
